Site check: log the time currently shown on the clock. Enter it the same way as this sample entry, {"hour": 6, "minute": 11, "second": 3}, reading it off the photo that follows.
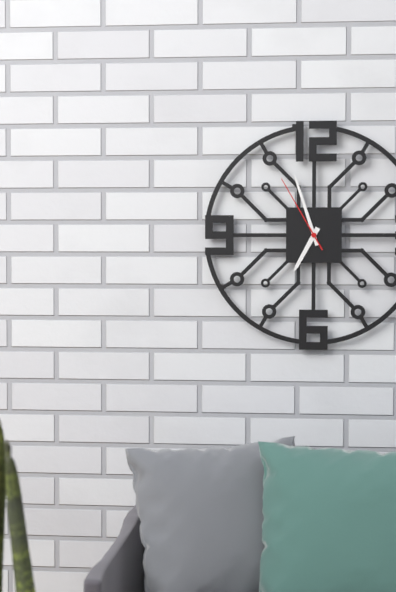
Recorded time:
{"hour": 6, "minute": 57, "second": 55}
